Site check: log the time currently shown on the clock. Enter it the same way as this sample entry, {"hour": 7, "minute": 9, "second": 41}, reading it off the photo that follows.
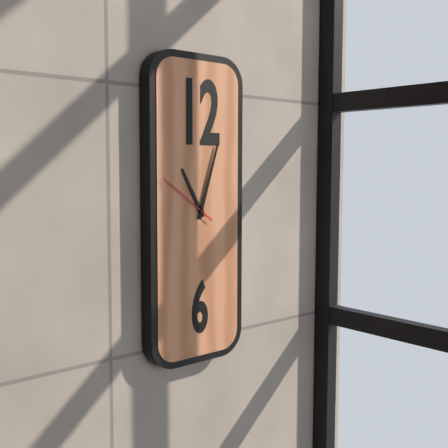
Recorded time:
{"hour": 11, "minute": 3, "second": 51}
